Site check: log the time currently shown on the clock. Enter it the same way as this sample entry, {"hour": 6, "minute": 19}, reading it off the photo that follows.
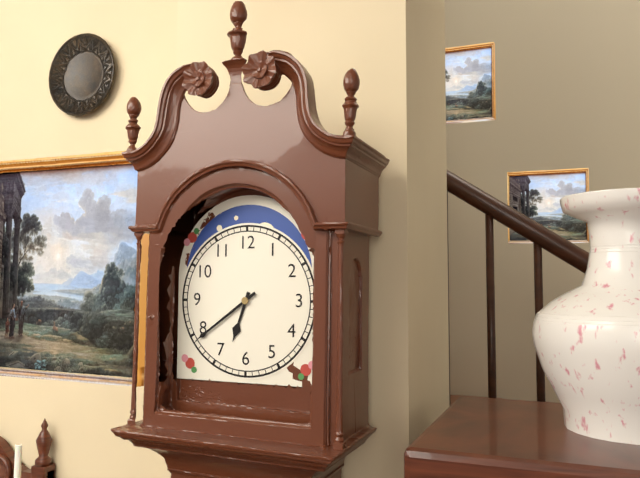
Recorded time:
{"hour": 6, "minute": 39}
